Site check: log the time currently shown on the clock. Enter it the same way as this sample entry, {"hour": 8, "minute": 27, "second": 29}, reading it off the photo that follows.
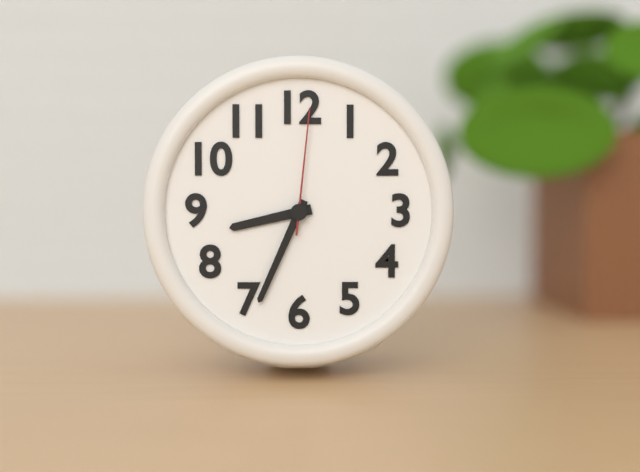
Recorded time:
{"hour": 8, "minute": 34, "second": 1}
